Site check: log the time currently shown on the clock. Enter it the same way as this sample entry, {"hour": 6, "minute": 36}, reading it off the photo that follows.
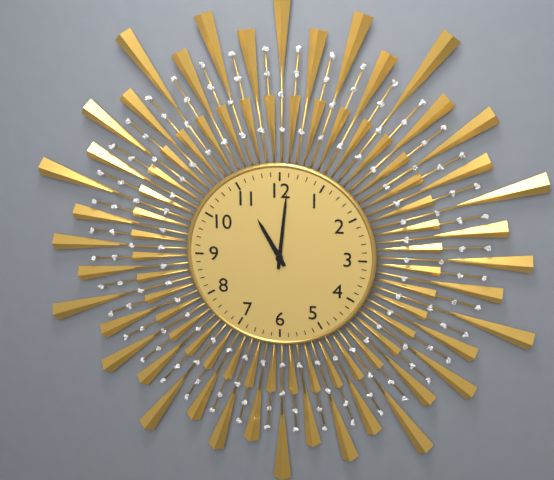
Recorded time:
{"hour": 11, "minute": 1}
